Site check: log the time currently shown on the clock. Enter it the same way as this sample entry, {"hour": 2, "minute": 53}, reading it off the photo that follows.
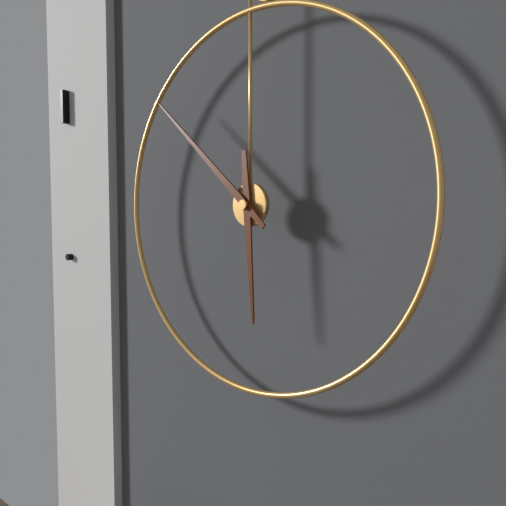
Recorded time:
{"hour": 5, "minute": 52}
